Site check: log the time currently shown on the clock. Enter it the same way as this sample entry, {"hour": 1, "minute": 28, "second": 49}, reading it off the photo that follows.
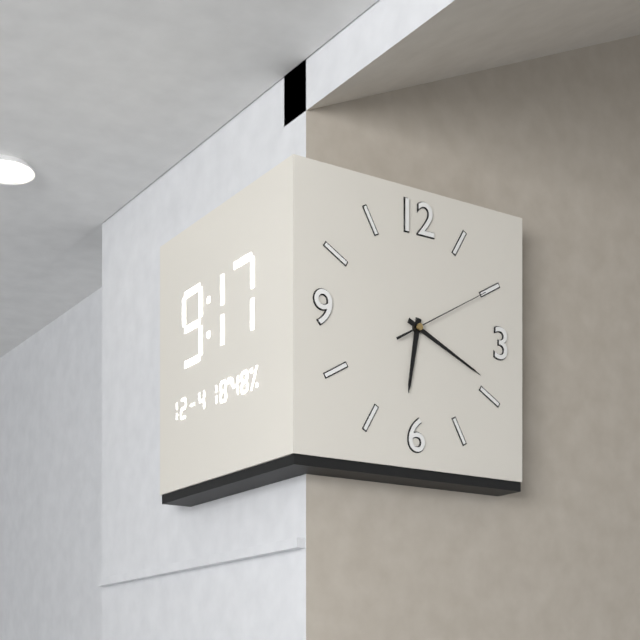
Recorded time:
{"hour": 6, "minute": 19, "second": 10}
